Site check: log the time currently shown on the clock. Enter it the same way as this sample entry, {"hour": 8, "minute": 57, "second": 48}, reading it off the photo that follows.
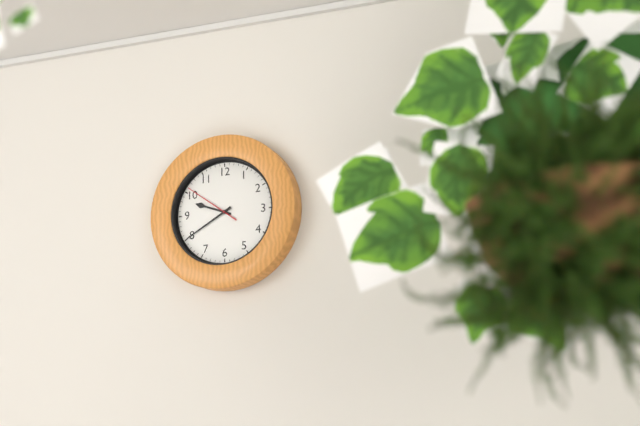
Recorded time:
{"hour": 9, "minute": 40, "second": 51}
